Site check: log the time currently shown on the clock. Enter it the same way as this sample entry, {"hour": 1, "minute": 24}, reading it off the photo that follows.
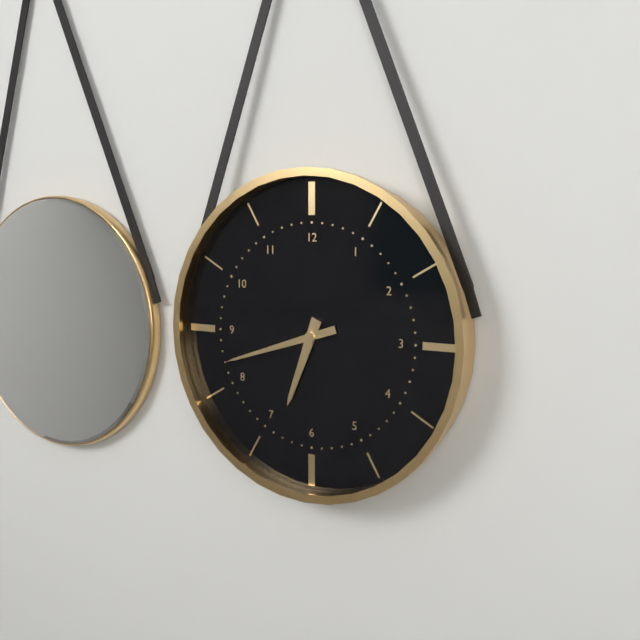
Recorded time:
{"hour": 6, "minute": 42}
